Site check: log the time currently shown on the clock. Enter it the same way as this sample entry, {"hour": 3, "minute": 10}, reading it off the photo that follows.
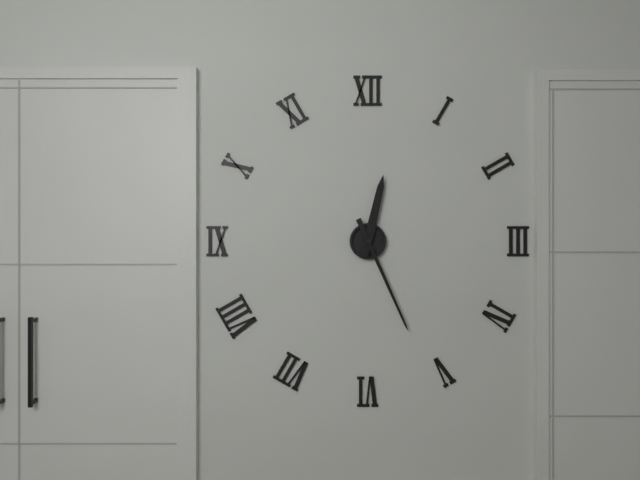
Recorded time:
{"hour": 12, "minute": 26}
